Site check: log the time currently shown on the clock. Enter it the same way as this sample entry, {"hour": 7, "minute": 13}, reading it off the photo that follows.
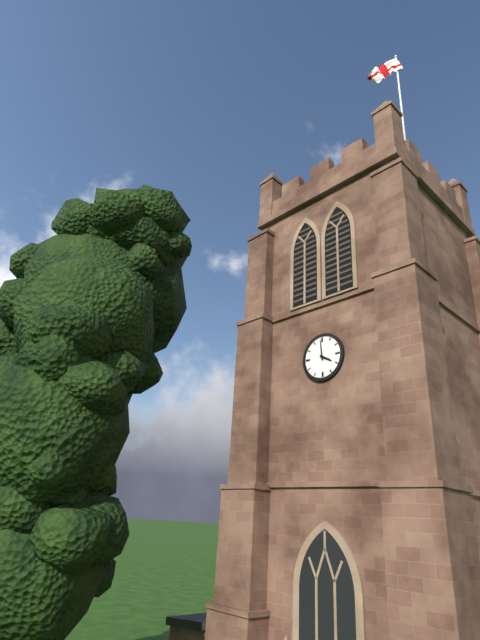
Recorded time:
{"hour": 3, "minute": 59}
